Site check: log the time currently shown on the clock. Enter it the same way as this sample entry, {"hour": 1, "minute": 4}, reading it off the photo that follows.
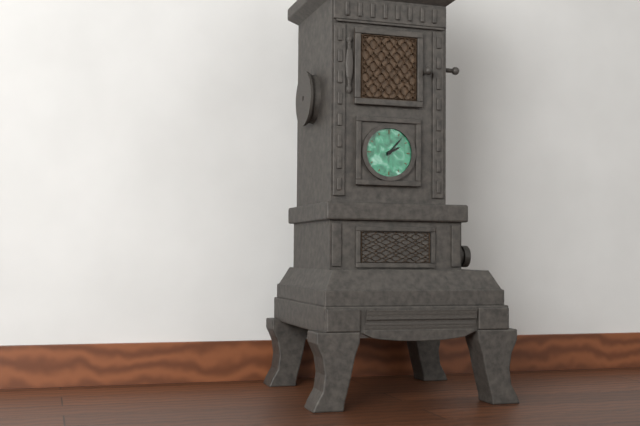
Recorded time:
{"hour": 2, "minute": 7}
